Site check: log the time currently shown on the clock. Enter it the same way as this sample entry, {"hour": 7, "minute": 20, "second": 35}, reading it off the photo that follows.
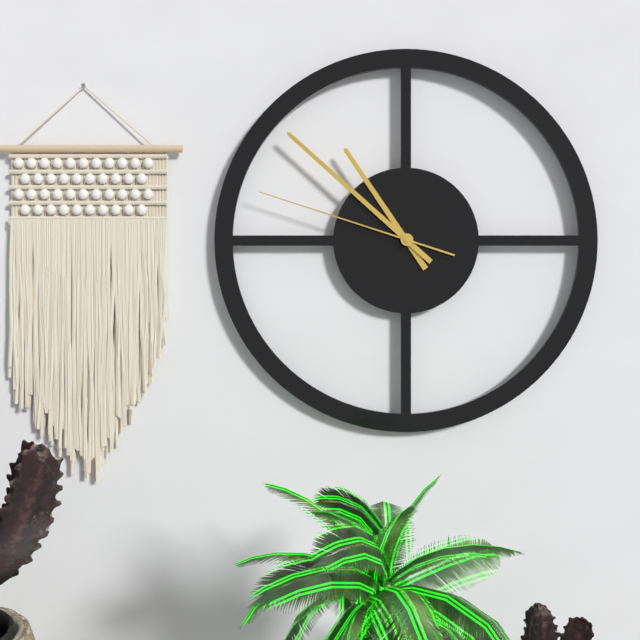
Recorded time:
{"hour": 10, "minute": 52, "second": 48}
